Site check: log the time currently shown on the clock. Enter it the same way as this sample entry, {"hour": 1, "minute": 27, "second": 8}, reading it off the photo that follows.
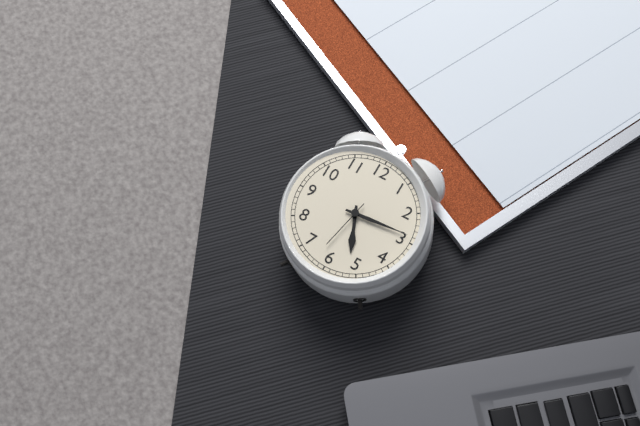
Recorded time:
{"hour": 5, "minute": 14, "second": 32}
